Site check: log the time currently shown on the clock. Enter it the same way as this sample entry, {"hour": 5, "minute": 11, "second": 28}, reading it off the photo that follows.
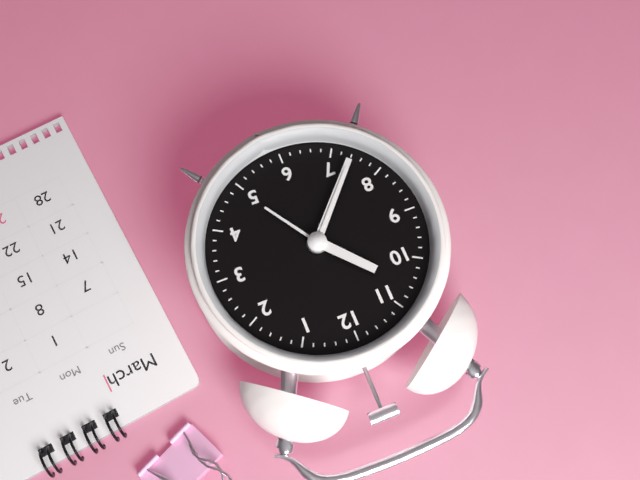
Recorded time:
{"hour": 10, "minute": 37, "second": 37}
